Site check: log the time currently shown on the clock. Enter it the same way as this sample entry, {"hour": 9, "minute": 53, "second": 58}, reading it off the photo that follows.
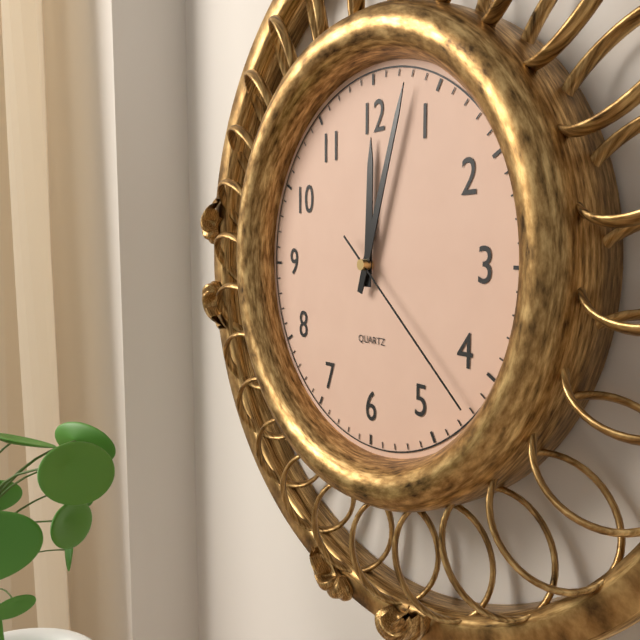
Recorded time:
{"hour": 12, "minute": 3, "second": 22}
